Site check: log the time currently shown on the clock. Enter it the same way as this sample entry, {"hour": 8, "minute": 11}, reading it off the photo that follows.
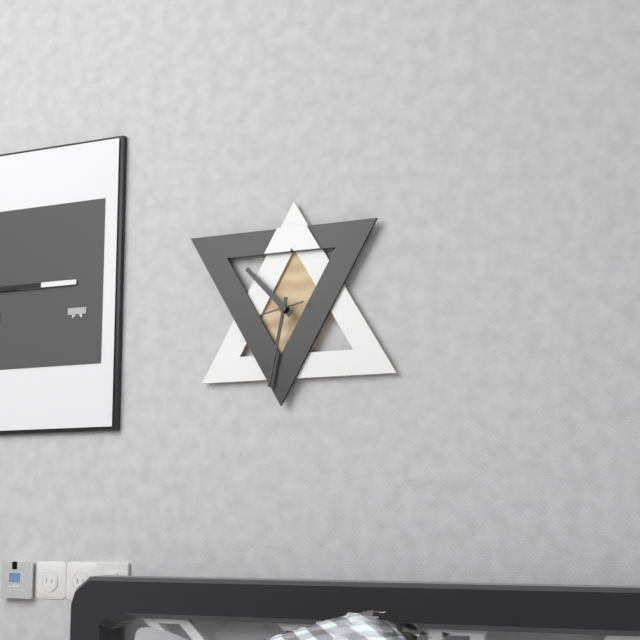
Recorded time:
{"hour": 10, "minute": 32}
